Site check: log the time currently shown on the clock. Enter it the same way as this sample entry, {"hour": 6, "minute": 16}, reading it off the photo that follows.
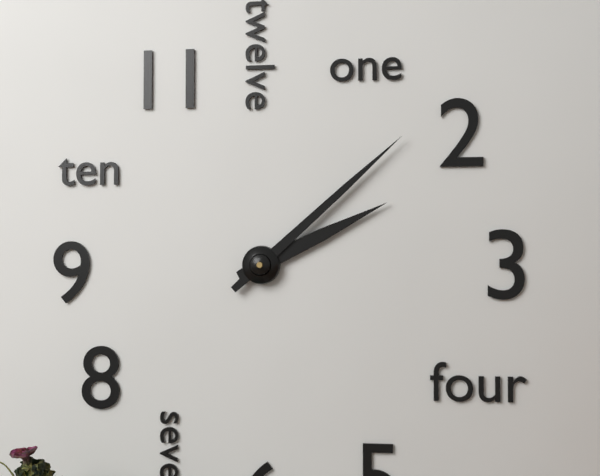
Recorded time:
{"hour": 2, "minute": 8}
